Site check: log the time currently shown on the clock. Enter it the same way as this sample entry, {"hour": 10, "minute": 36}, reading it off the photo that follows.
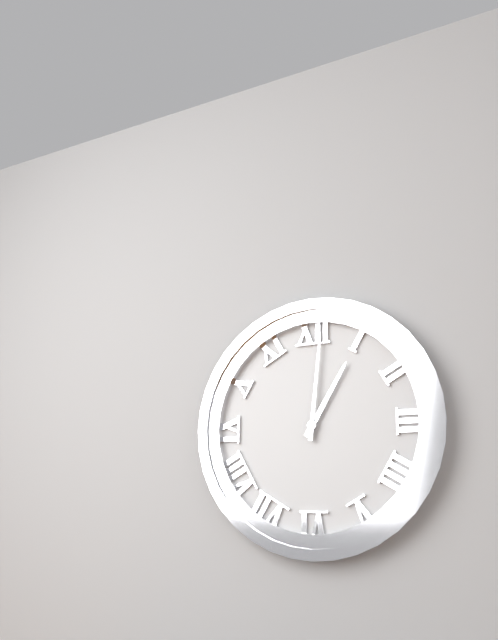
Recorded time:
{"hour": 1, "minute": 1}
